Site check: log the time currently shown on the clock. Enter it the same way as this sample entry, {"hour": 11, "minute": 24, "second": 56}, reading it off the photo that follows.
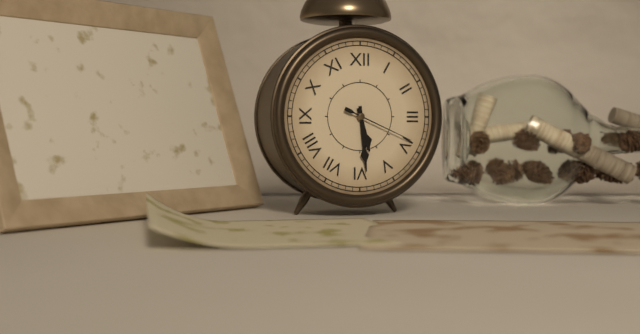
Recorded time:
{"hour": 5, "minute": 29, "second": 19}
